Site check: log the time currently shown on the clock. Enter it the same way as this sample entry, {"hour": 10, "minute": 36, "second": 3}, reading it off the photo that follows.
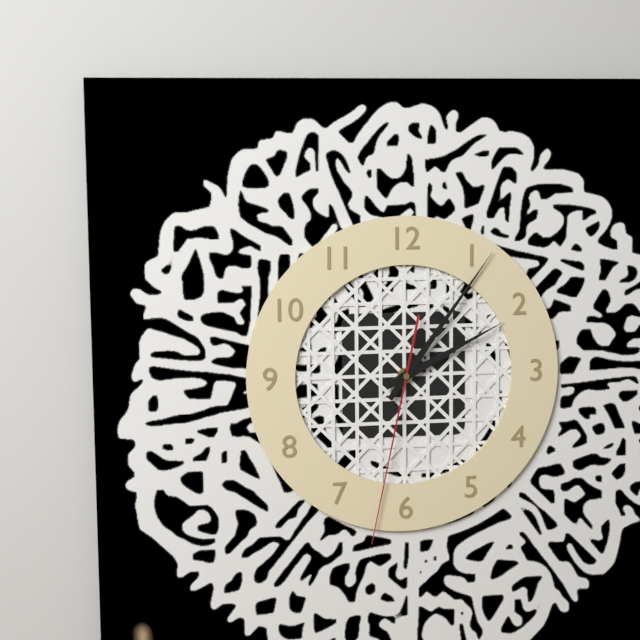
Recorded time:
{"hour": 2, "minute": 6, "second": 32}
